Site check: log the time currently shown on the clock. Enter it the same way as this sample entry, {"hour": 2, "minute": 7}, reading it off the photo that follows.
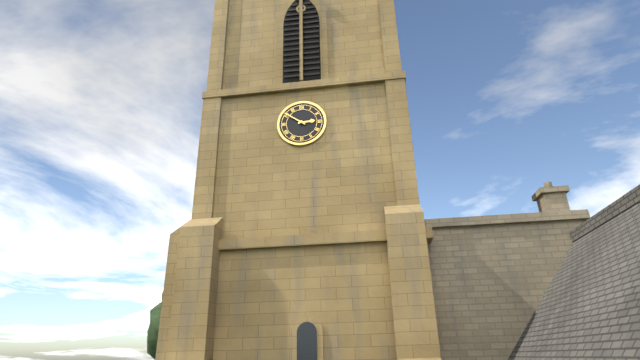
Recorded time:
{"hour": 2, "minute": 51}
